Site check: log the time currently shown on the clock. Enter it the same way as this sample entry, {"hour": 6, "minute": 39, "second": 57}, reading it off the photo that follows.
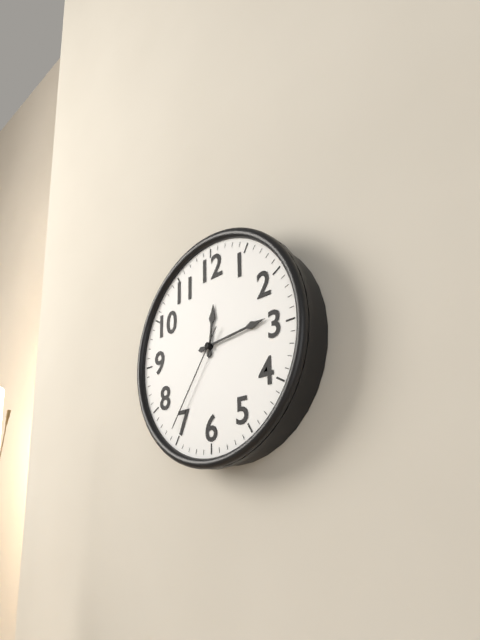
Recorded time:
{"hour": 12, "minute": 14, "second": 36}
